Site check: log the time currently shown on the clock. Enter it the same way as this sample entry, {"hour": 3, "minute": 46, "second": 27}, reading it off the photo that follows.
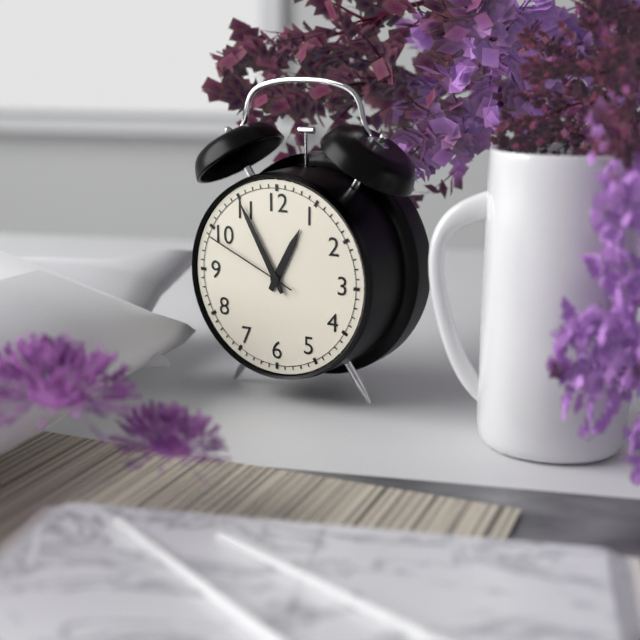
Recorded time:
{"hour": 12, "minute": 55, "second": 49}
